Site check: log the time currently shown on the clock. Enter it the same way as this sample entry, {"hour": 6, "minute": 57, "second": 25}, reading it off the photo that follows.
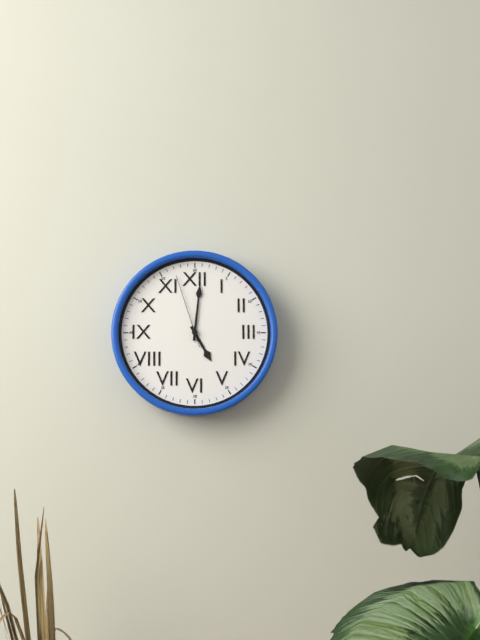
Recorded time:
{"hour": 5, "minute": 1, "second": 57}
